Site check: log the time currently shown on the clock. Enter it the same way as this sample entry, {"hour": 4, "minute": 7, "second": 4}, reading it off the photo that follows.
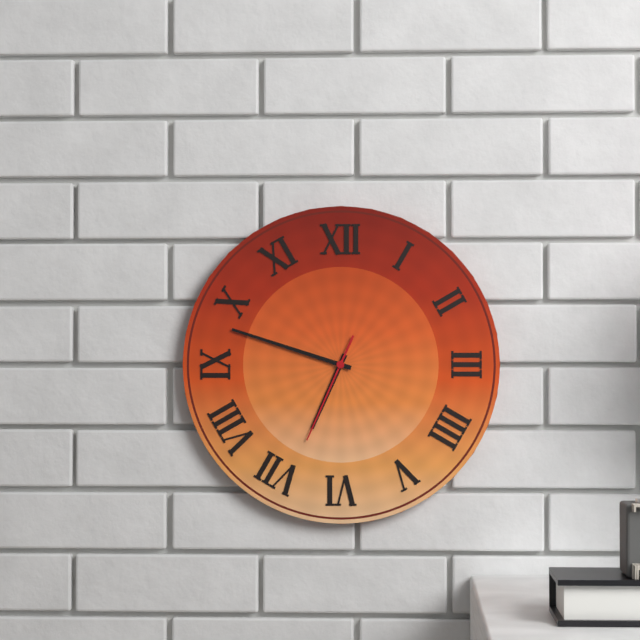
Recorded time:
{"hour": 6, "minute": 48, "second": 34}
